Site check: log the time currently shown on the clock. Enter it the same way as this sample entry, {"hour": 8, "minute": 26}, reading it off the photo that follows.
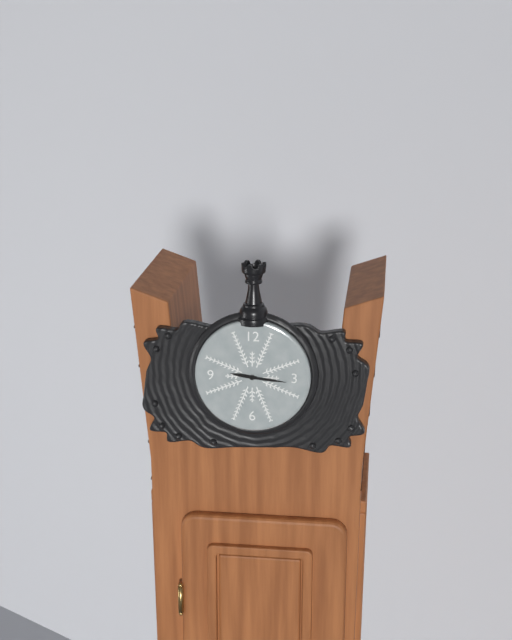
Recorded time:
{"hour": 9, "minute": 16}
